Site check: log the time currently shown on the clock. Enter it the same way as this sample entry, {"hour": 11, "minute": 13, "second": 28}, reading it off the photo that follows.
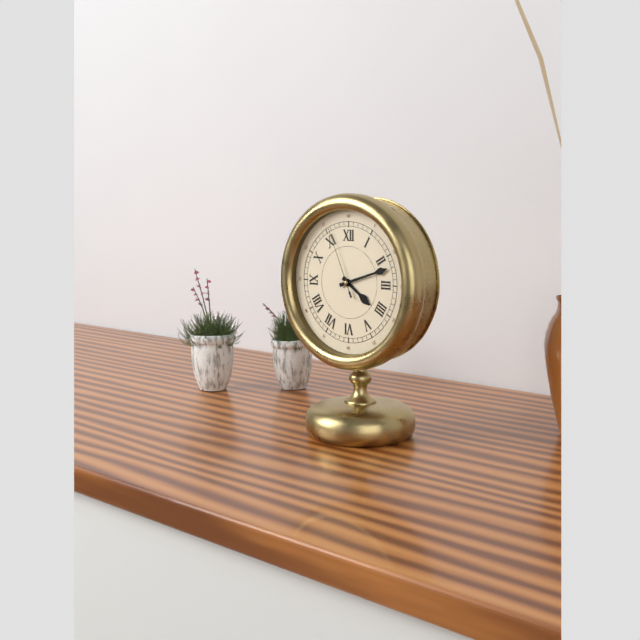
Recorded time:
{"hour": 4, "minute": 12, "second": 56}
